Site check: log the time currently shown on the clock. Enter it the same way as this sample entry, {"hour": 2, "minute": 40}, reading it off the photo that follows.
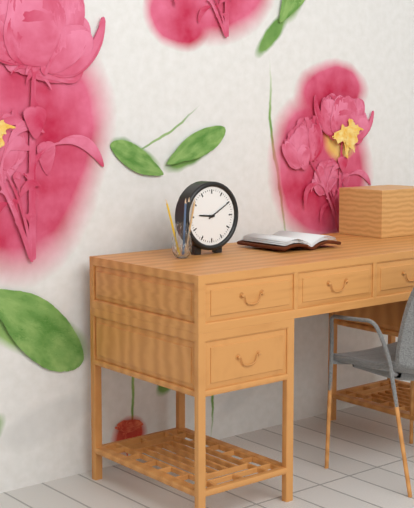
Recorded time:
{"hour": 9, "minute": 10}
